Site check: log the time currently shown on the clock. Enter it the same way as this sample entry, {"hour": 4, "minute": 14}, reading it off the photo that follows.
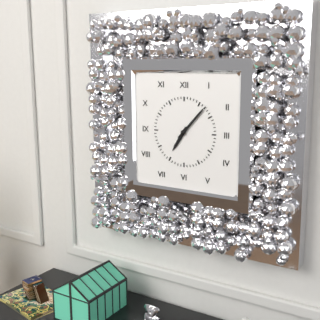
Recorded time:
{"hour": 7, "minute": 7}
